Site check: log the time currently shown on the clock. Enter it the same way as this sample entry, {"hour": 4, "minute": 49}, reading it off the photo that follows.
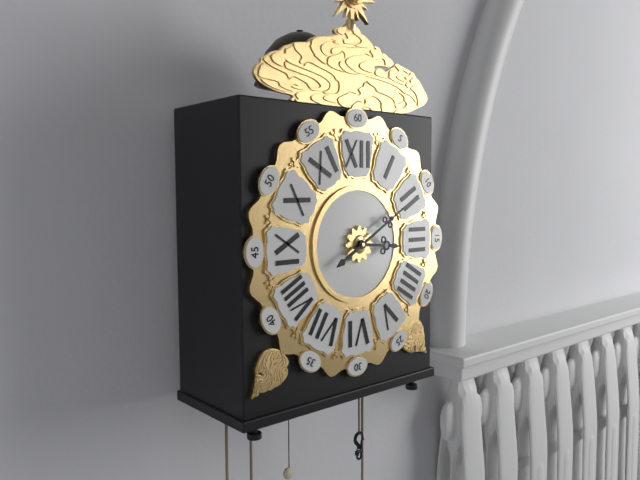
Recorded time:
{"hour": 3, "minute": 10}
